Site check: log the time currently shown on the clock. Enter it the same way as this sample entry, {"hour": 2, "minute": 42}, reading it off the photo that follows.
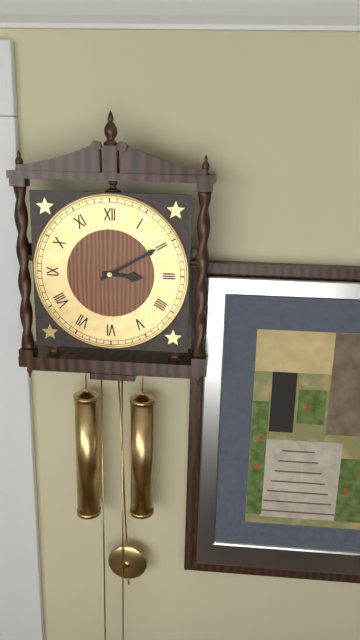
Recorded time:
{"hour": 3, "minute": 10}
